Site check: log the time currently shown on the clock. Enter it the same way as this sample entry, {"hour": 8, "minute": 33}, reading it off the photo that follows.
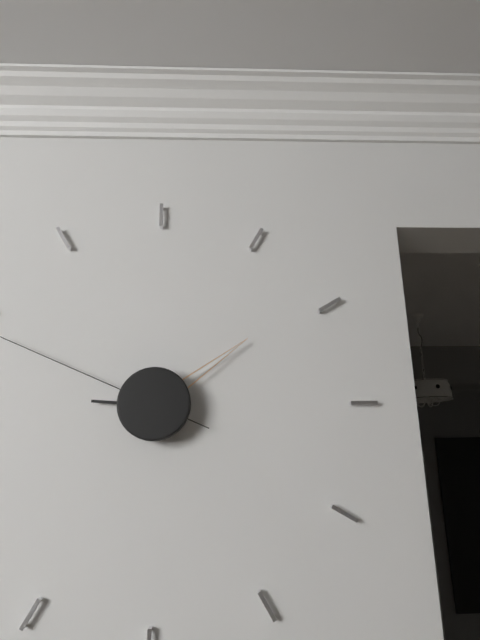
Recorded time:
{"hour": 9, "minute": 9}
